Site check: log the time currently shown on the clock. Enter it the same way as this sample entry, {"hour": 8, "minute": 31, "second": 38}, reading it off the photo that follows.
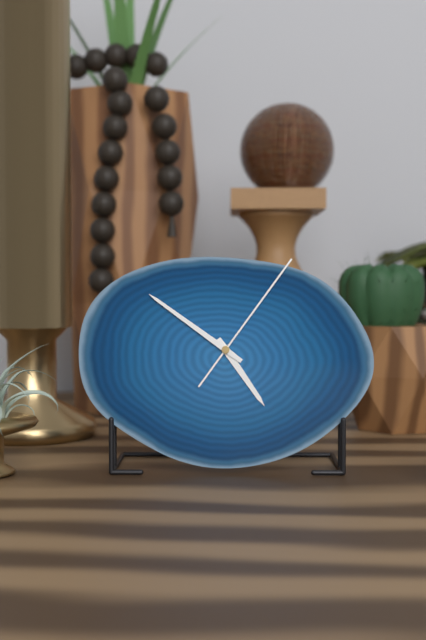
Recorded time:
{"hour": 4, "minute": 51, "second": 6}
